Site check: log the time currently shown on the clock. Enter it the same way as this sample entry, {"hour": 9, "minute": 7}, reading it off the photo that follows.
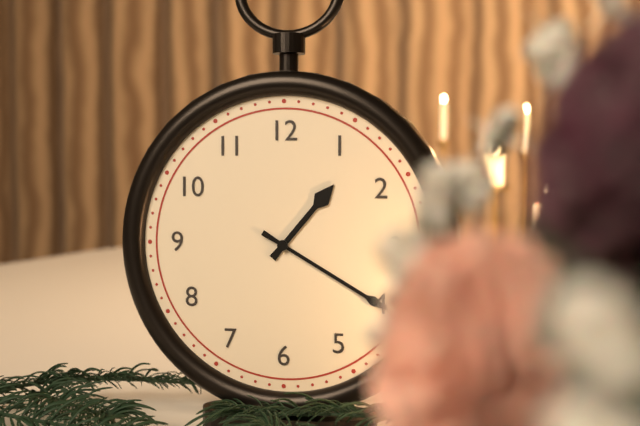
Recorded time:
{"hour": 1, "minute": 20}
